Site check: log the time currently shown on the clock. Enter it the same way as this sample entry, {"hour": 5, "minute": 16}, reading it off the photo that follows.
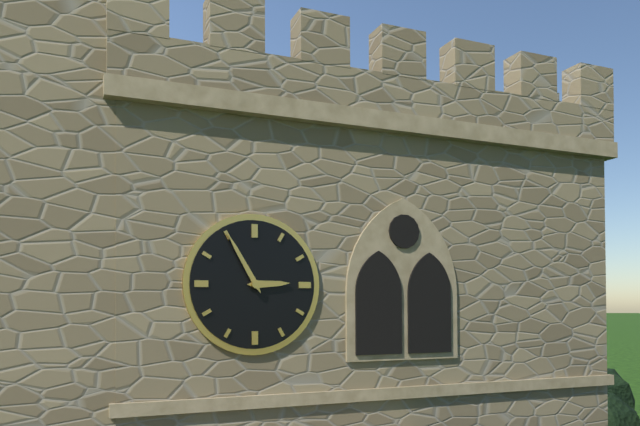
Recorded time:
{"hour": 2, "minute": 55}
